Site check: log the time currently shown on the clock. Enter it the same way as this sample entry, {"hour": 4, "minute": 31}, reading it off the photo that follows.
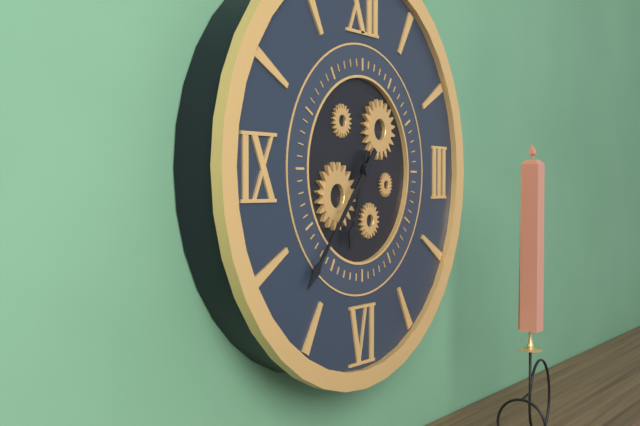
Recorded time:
{"hour": 6, "minute": 37}
